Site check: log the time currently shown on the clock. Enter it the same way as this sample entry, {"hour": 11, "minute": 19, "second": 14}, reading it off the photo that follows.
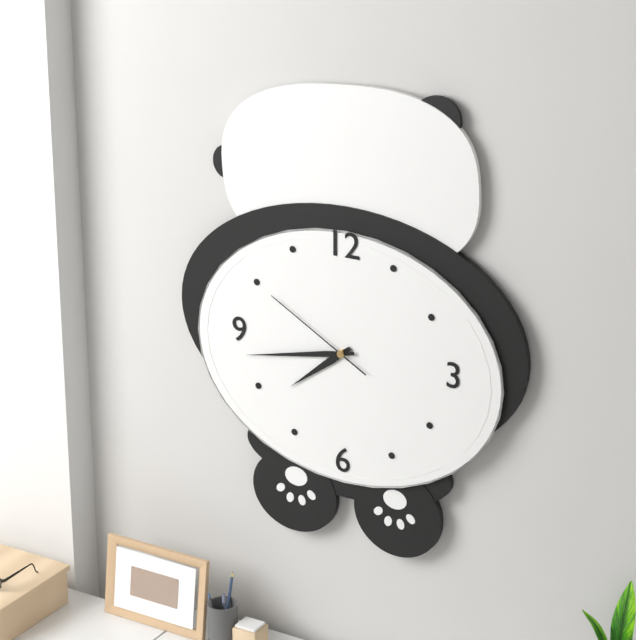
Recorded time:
{"hour": 7, "minute": 43, "second": 50}
